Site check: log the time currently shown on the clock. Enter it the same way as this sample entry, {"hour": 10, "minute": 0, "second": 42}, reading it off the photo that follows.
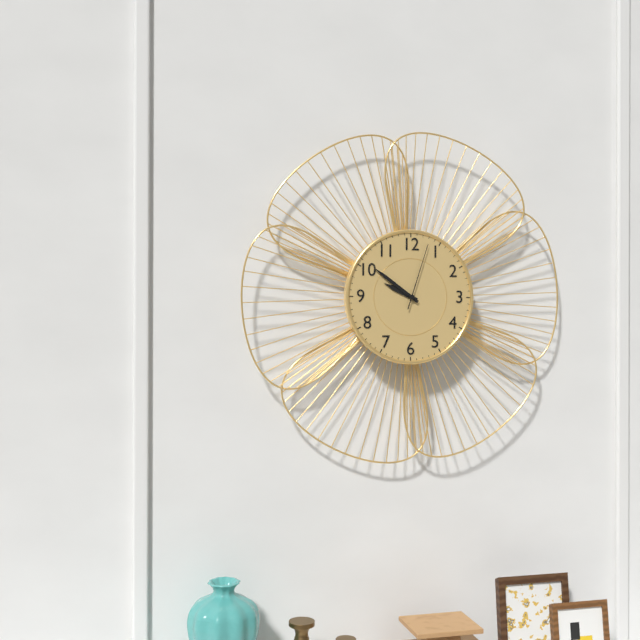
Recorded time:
{"hour": 9, "minute": 51, "second": 3}
